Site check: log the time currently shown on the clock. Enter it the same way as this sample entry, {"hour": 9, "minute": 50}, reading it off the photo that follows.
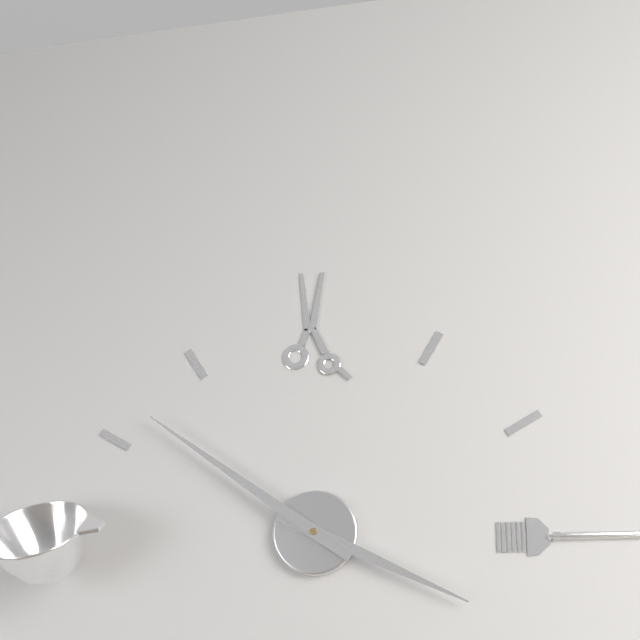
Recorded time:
{"hour": 3, "minute": 51}
